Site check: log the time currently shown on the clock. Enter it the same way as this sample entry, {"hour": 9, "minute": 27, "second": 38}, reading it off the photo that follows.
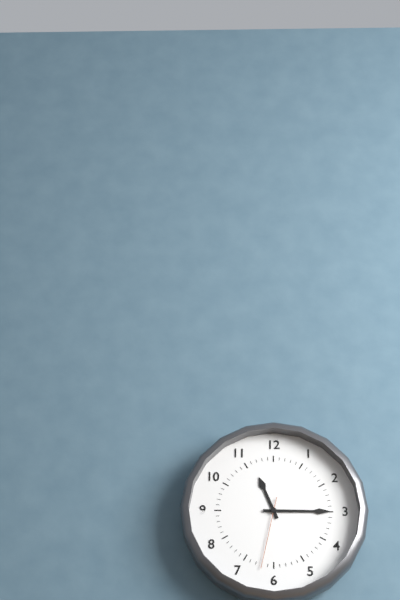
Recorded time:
{"hour": 11, "minute": 15, "second": 32}
